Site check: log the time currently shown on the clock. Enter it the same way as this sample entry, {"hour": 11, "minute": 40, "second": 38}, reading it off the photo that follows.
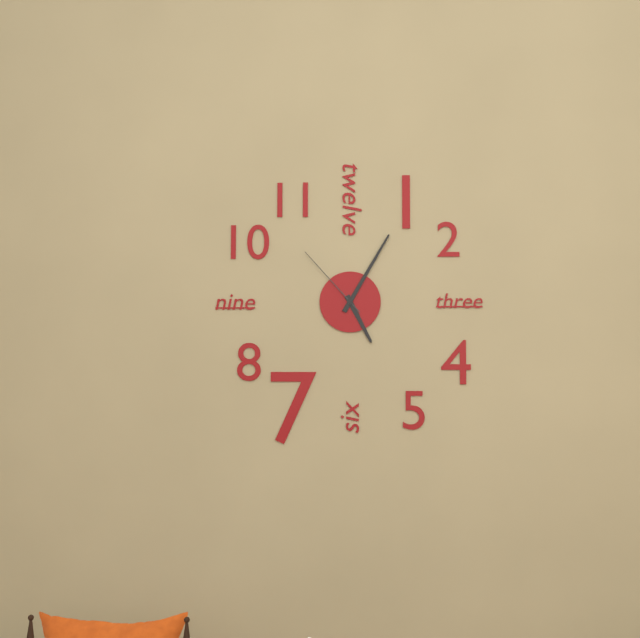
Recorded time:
{"hour": 5, "minute": 5, "second": 53}
